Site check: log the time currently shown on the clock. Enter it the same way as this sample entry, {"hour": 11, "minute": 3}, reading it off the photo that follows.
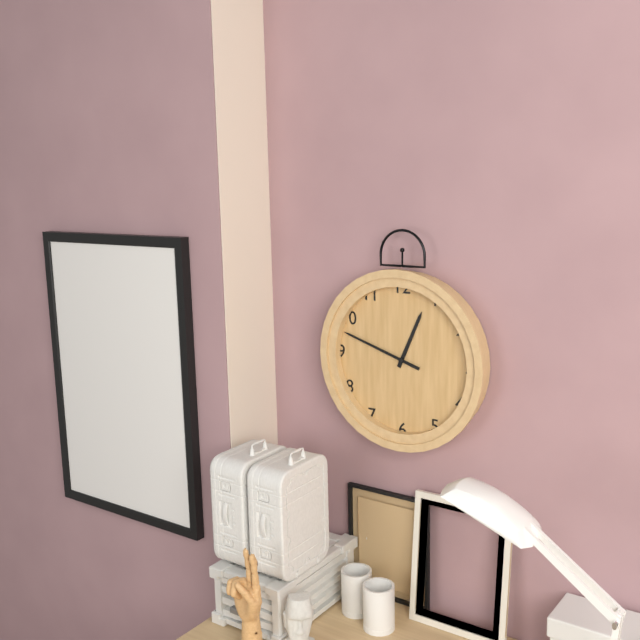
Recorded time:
{"hour": 12, "minute": 48}
